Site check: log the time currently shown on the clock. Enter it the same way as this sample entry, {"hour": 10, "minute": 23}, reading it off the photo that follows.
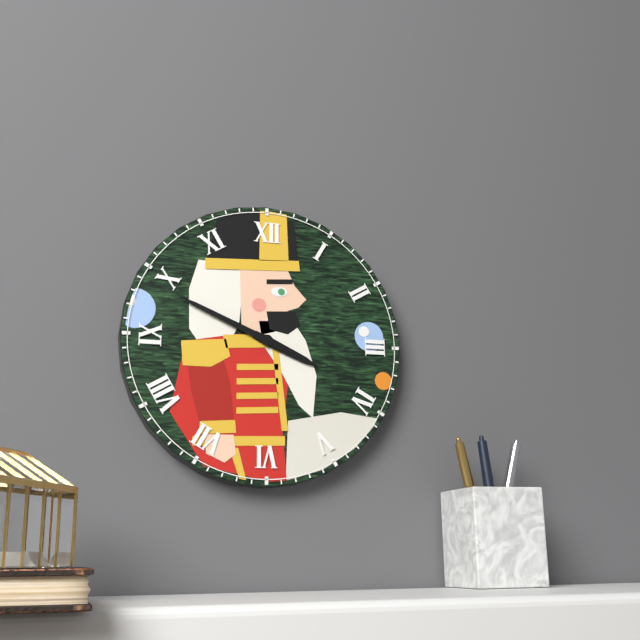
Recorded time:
{"hour": 3, "minute": 49}
